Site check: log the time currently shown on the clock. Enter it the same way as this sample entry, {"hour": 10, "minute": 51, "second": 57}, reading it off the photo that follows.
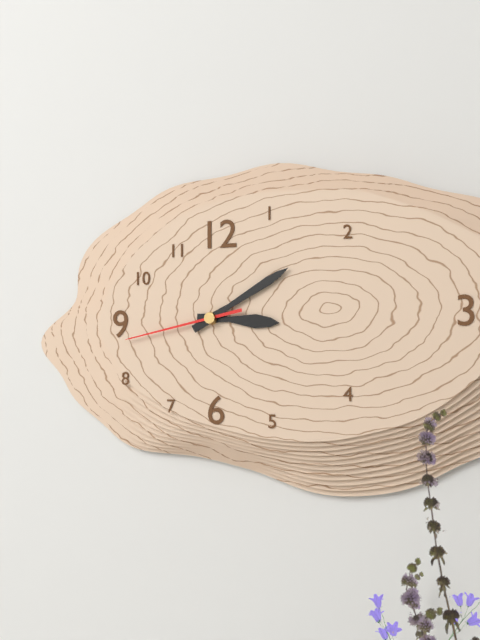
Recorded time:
{"hour": 3, "minute": 10, "second": 43}
